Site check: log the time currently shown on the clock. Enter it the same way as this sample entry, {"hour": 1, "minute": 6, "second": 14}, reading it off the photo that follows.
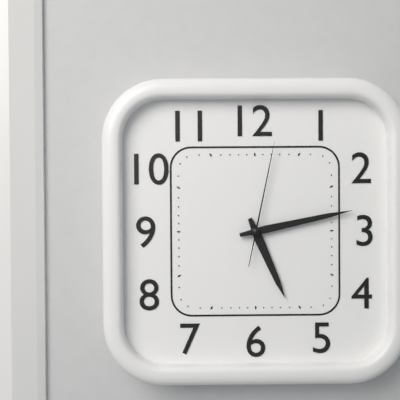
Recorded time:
{"hour": 5, "minute": 13, "second": 2}
